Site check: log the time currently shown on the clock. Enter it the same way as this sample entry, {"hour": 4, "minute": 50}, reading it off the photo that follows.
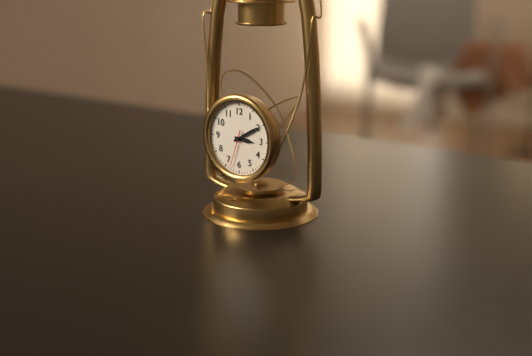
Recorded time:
{"hour": 3, "minute": 10}
